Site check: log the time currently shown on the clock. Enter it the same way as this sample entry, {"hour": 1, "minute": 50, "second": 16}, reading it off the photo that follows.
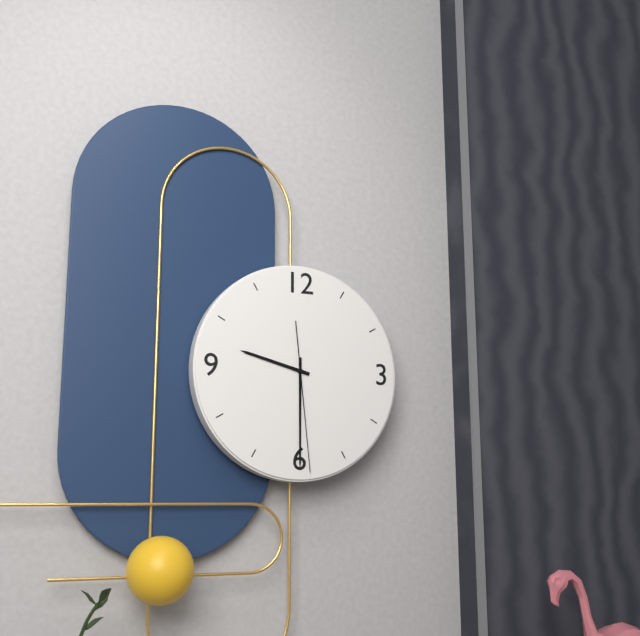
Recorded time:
{"hour": 9, "minute": 30, "second": 29}
